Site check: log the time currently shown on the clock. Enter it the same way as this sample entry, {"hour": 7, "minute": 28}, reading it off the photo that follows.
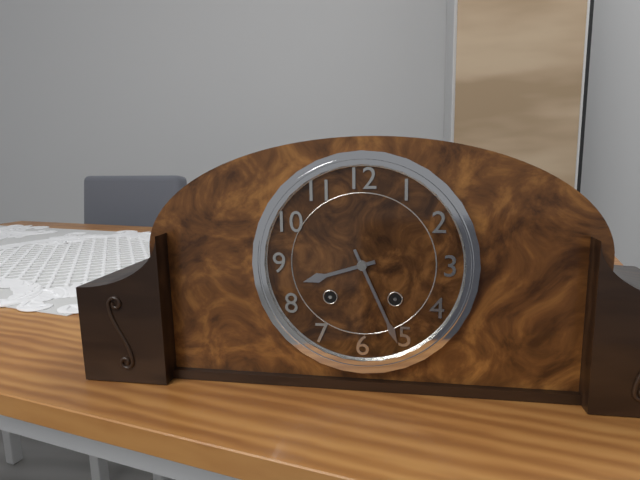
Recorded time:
{"hour": 8, "minute": 26}
